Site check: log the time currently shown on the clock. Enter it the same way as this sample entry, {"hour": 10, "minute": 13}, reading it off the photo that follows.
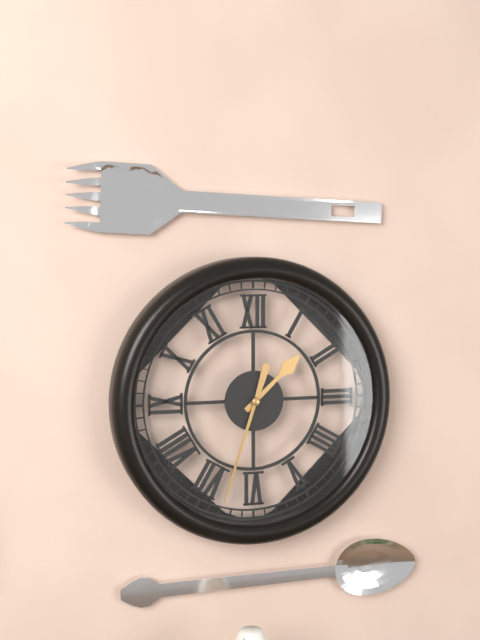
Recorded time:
{"hour": 1, "minute": 33}
